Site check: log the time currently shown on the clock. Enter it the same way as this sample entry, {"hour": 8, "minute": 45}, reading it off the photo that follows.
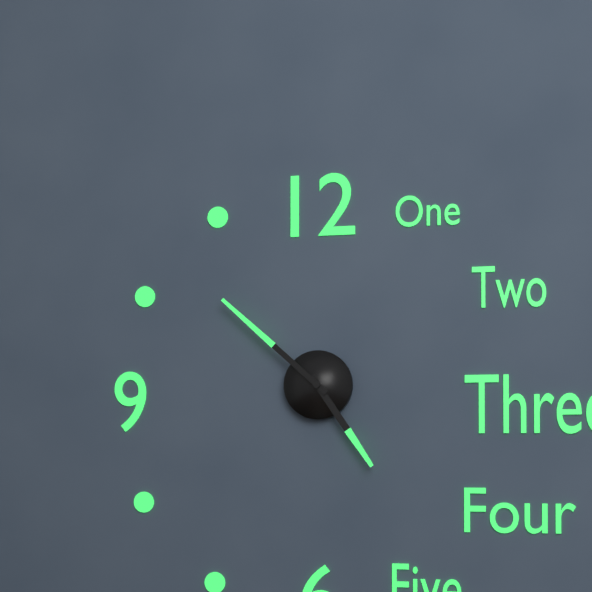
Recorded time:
{"hour": 4, "minute": 52}
